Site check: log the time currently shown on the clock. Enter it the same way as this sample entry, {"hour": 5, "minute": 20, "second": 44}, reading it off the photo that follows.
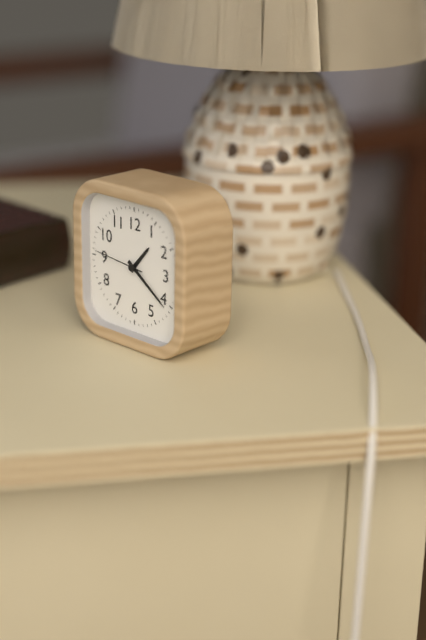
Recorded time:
{"hour": 1, "minute": 21, "second": 46}
